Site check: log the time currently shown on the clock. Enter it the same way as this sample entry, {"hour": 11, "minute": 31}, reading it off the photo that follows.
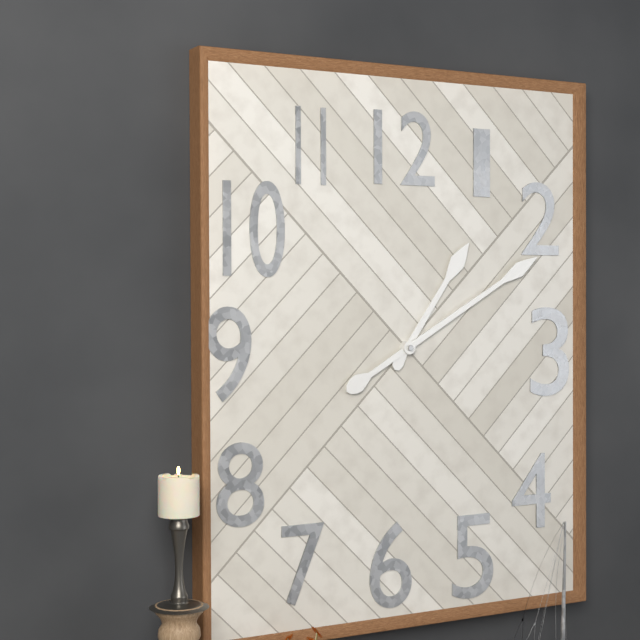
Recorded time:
{"hour": 1, "minute": 10}
